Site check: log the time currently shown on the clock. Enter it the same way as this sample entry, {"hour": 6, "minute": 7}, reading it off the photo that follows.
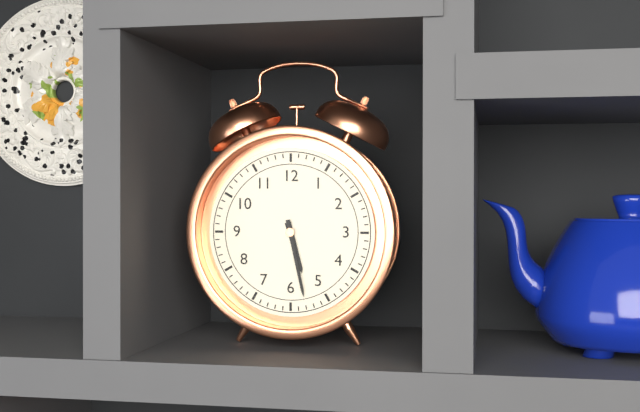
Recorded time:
{"hour": 5, "minute": 28}
